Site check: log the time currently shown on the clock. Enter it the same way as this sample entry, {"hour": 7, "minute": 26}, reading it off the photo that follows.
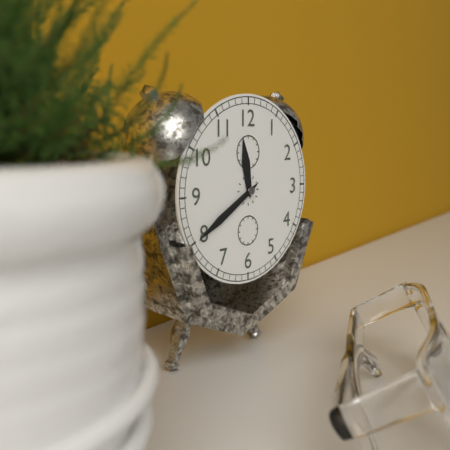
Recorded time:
{"hour": 11, "minute": 40}
